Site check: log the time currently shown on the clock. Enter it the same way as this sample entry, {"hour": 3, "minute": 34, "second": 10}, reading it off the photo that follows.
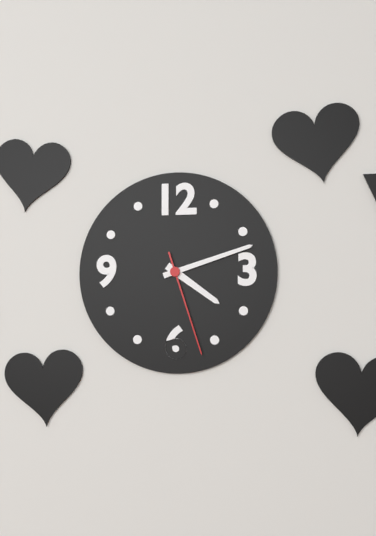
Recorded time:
{"hour": 4, "minute": 12, "second": 27}
